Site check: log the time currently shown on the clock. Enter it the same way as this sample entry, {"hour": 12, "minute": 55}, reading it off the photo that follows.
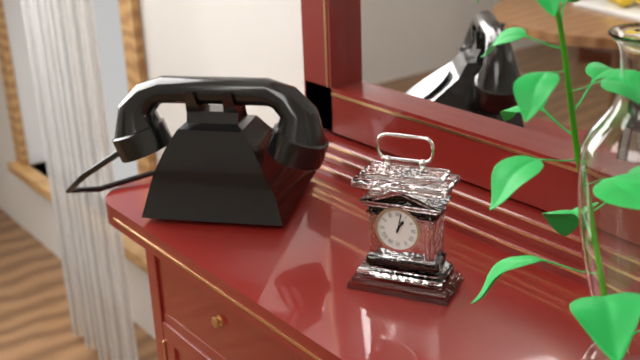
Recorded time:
{"hour": 1, "minute": 2}
